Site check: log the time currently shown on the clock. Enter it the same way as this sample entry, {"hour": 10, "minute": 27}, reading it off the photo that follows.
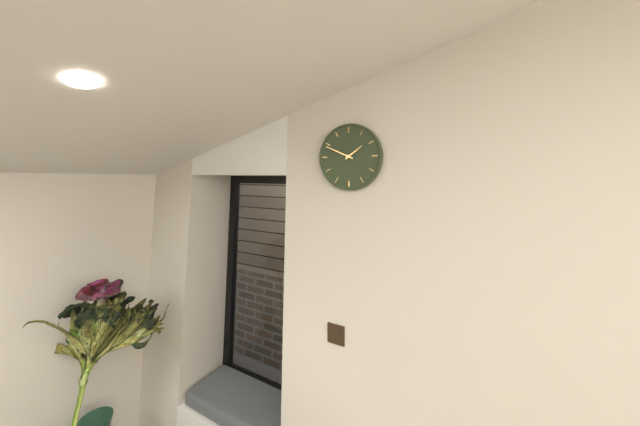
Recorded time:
{"hour": 1, "minute": 49}
